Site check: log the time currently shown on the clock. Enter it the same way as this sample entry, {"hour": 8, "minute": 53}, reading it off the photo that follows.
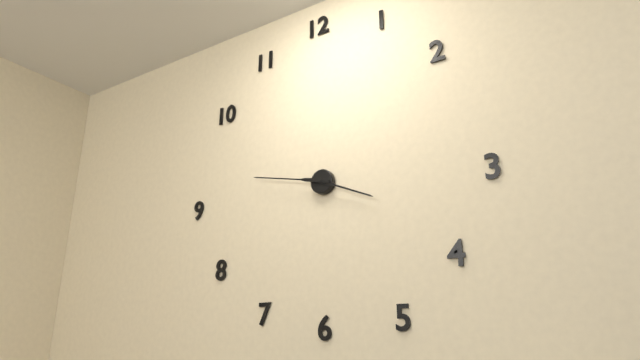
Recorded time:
{"hour": 3, "minute": 47}
